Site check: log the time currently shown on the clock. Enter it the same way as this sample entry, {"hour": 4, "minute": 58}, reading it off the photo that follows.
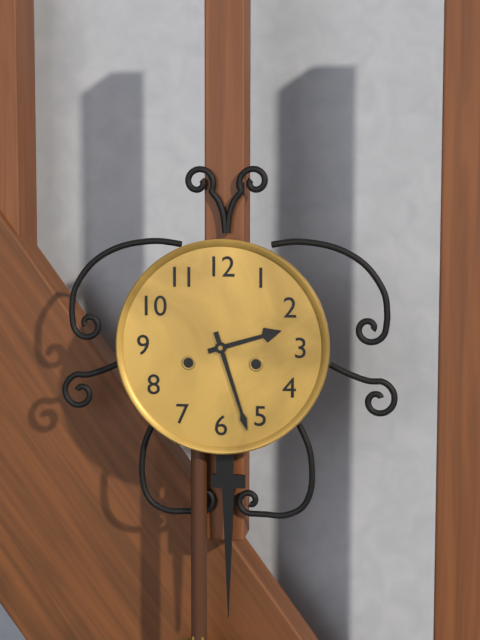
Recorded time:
{"hour": 2, "minute": 27}
